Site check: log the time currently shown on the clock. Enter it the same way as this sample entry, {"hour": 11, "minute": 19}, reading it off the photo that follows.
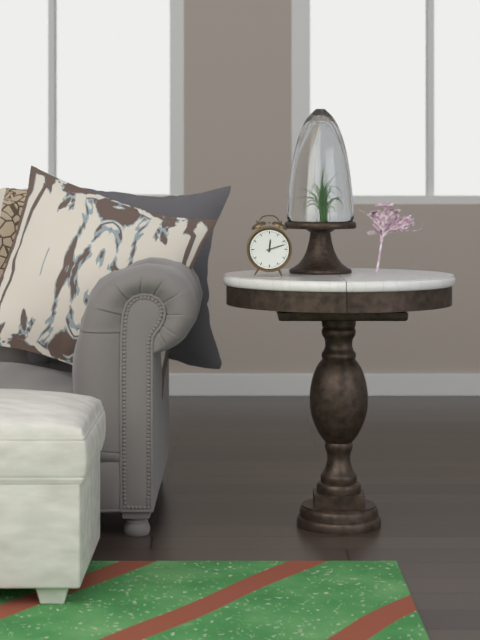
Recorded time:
{"hour": 12, "minute": 12}
